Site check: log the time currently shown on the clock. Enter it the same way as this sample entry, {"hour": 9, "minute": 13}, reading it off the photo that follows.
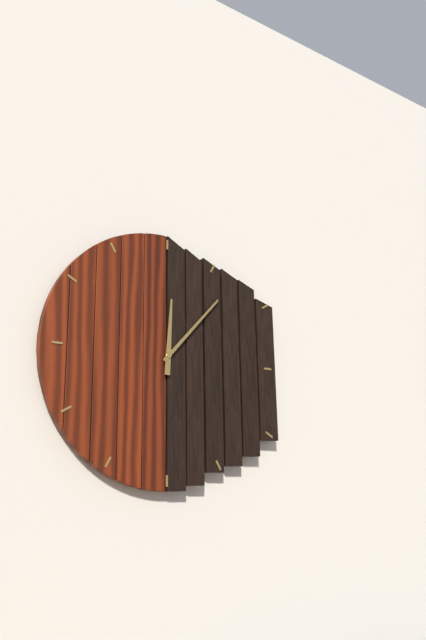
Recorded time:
{"hour": 12, "minute": 7}
